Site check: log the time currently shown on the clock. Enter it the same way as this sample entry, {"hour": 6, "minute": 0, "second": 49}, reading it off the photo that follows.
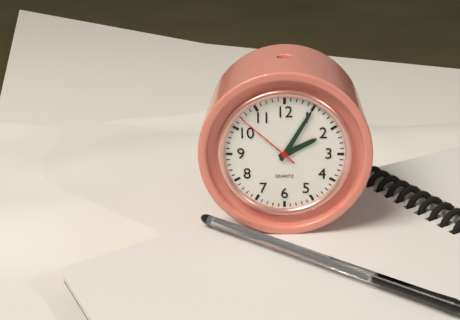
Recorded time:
{"hour": 2, "minute": 5, "second": 52}
